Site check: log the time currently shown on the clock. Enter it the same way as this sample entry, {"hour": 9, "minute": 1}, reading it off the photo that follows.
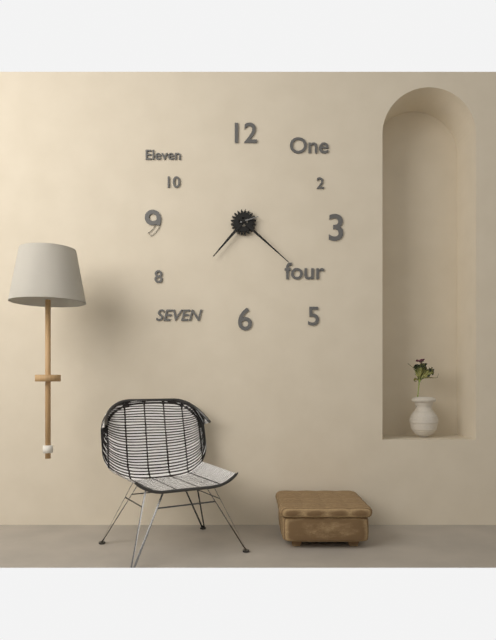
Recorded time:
{"hour": 7, "minute": 22}
